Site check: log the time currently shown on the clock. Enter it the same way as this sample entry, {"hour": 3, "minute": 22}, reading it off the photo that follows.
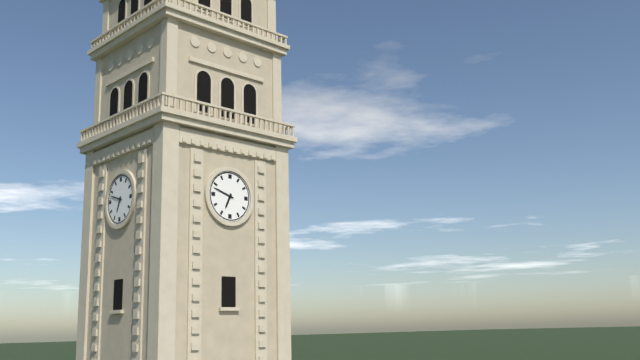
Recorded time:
{"hour": 6, "minute": 48}
